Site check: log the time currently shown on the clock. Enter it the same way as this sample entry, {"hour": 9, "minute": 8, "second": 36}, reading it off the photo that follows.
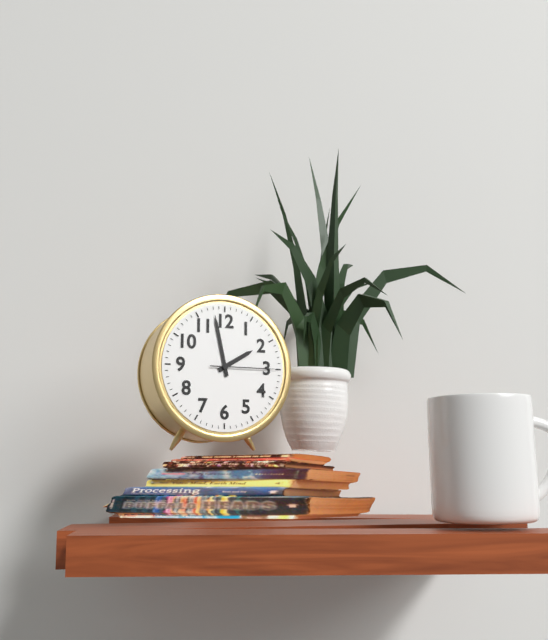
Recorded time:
{"hour": 1, "minute": 58, "second": 15}
